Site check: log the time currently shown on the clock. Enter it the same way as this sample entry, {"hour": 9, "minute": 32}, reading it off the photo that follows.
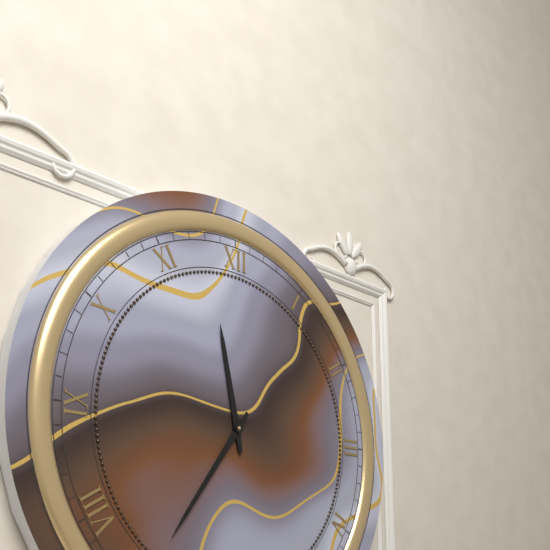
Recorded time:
{"hour": 11, "minute": 36}
